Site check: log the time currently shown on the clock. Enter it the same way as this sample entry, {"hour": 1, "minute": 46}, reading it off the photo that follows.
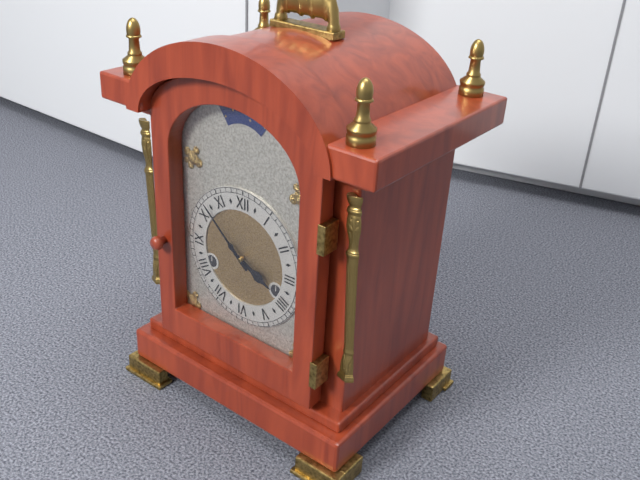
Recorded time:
{"hour": 3, "minute": 52}
